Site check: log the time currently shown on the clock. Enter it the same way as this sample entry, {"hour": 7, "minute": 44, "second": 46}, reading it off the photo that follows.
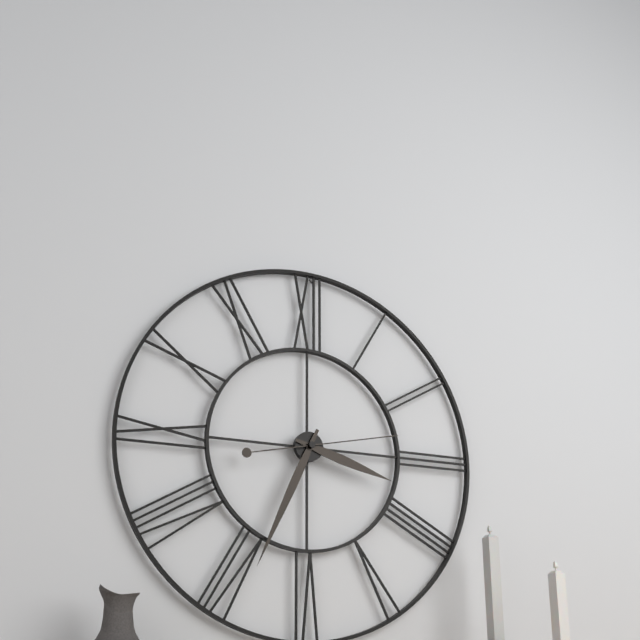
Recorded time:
{"hour": 3, "minute": 34, "second": 13}
